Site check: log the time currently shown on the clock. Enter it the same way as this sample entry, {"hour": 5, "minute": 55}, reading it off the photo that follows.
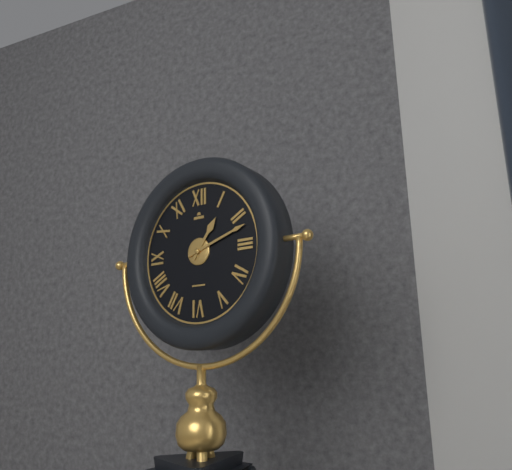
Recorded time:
{"hour": 1, "minute": 12}
